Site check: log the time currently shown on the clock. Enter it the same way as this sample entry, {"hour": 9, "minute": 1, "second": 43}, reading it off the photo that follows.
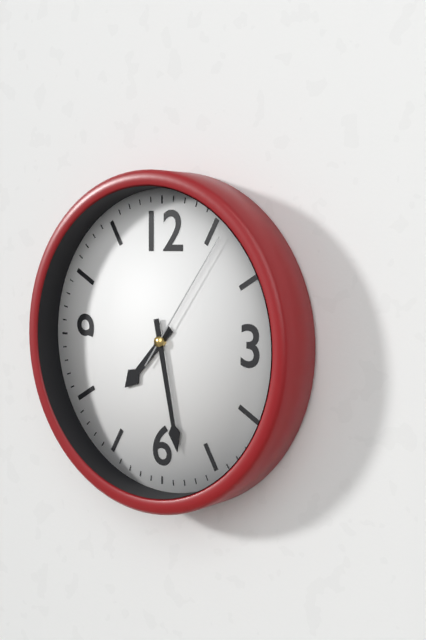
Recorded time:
{"hour": 7, "minute": 28, "second": 6}
